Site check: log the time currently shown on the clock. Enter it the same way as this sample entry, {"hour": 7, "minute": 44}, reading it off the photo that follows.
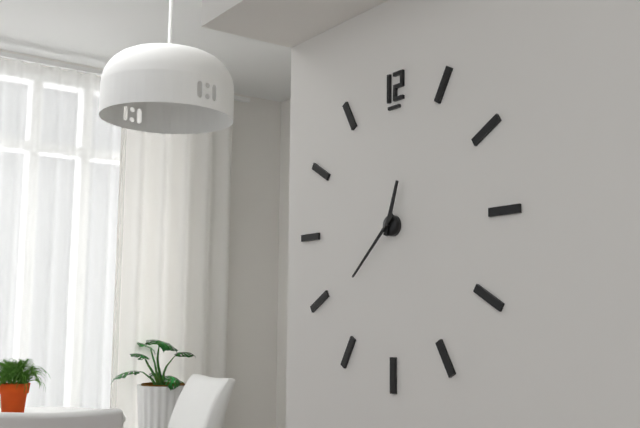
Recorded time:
{"hour": 12, "minute": 38}
